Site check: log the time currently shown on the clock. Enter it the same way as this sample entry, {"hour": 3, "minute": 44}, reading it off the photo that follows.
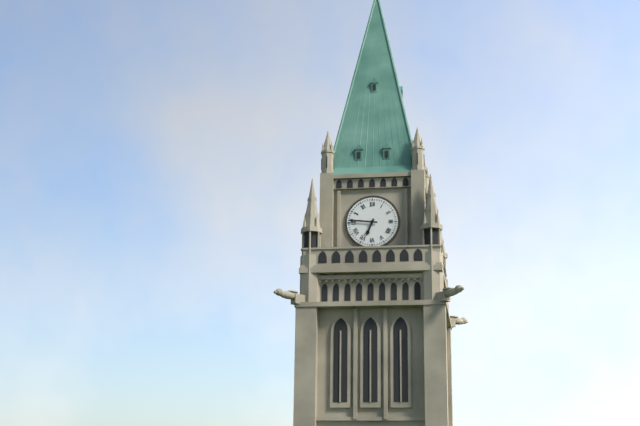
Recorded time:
{"hour": 6, "minute": 46}
